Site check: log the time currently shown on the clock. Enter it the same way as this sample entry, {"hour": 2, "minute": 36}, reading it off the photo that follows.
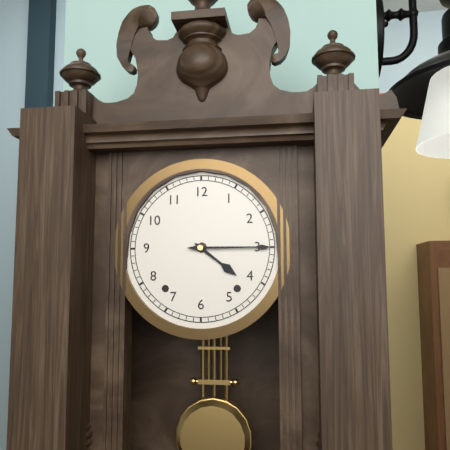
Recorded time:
{"hour": 4, "minute": 15}
